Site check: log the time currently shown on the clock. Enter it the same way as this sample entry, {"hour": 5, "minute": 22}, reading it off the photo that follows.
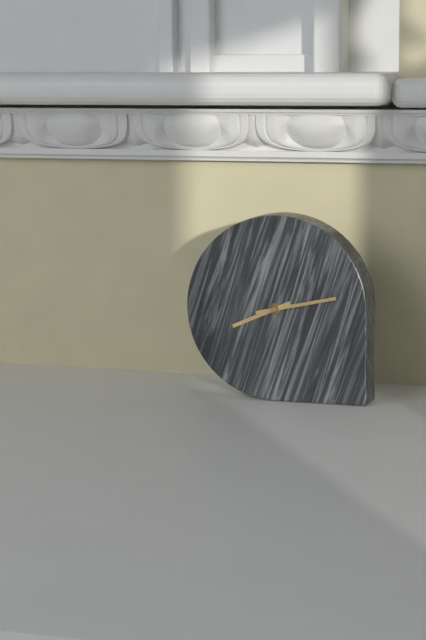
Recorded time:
{"hour": 8, "minute": 13}
